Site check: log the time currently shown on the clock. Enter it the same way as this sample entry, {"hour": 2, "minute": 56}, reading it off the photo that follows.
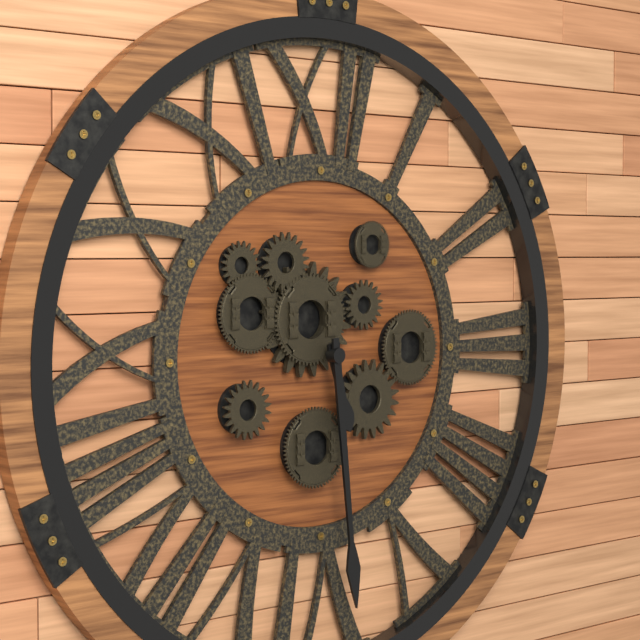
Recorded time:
{"hour": 5, "minute": 29}
